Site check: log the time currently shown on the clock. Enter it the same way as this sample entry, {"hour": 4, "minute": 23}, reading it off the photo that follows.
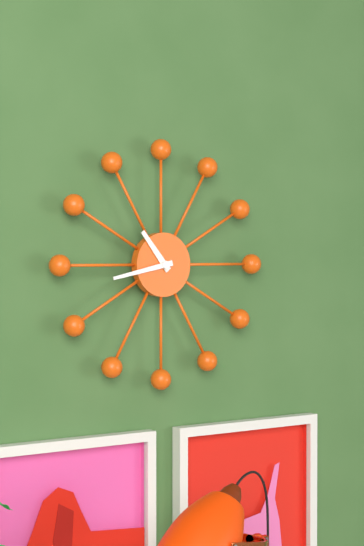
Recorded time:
{"hour": 10, "minute": 43}
